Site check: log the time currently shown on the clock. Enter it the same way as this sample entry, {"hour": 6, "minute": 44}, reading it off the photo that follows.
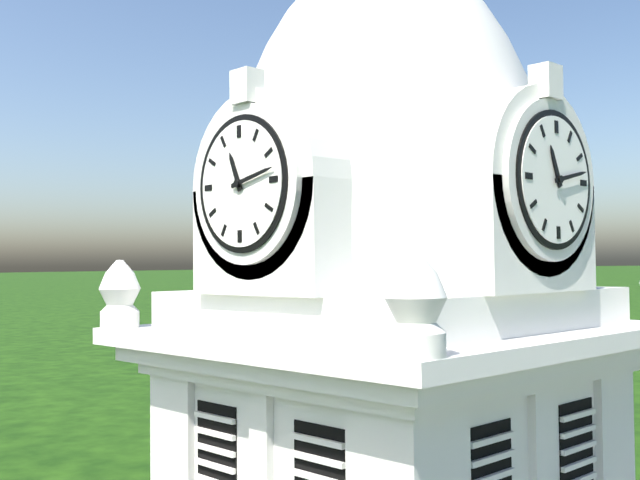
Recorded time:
{"hour": 11, "minute": 13}
